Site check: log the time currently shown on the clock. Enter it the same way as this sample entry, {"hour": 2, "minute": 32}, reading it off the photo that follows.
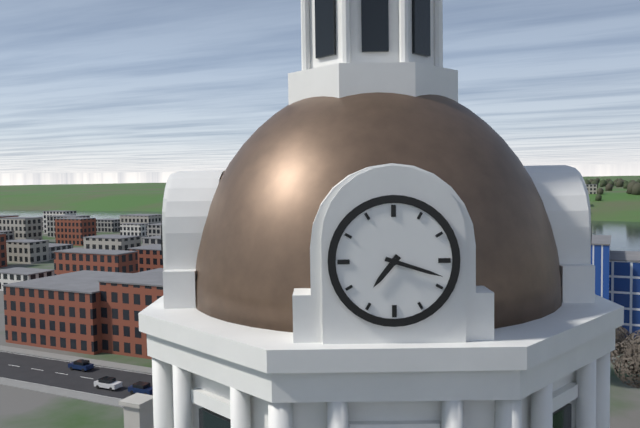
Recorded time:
{"hour": 7, "minute": 18}
